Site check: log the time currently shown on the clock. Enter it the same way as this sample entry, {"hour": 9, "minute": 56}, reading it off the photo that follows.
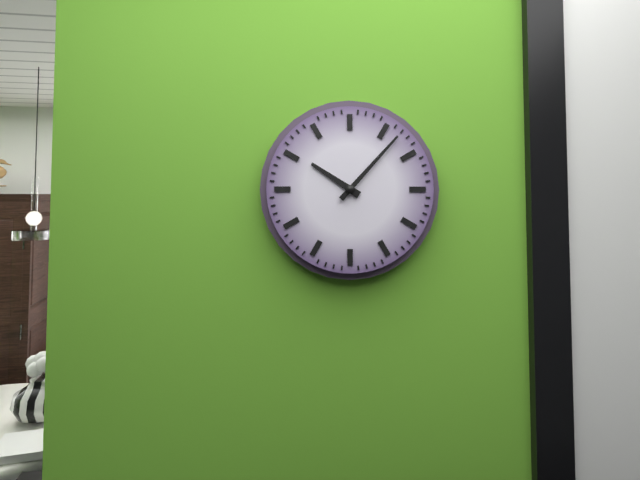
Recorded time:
{"hour": 10, "minute": 7}
